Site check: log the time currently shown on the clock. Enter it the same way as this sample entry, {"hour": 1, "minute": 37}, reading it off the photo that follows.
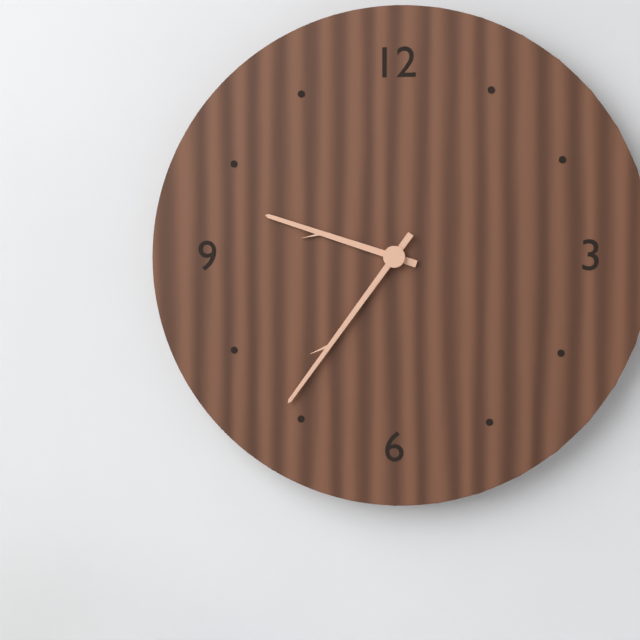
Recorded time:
{"hour": 9, "minute": 36}
